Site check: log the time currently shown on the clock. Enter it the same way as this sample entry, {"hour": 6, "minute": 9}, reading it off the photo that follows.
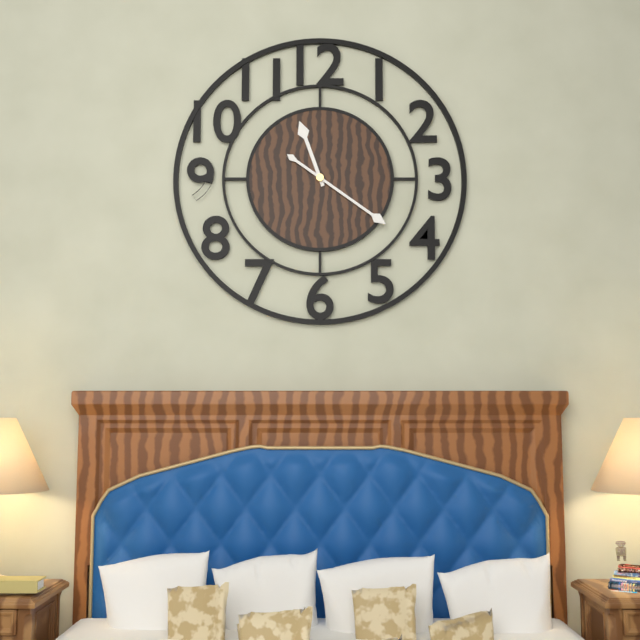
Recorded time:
{"hour": 11, "minute": 21}
